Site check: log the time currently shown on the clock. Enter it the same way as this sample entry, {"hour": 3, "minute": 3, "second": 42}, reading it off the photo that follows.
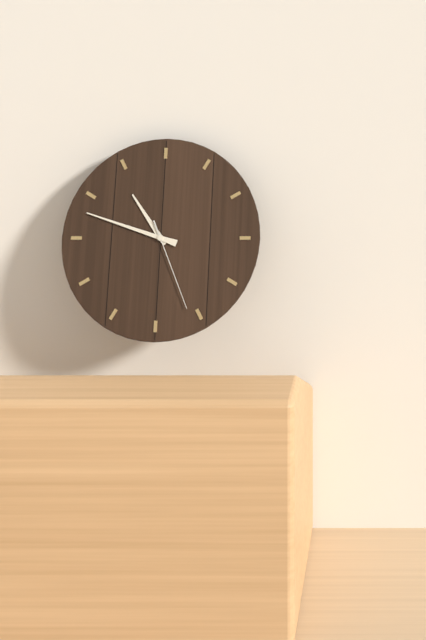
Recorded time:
{"hour": 10, "minute": 48, "second": 26}
